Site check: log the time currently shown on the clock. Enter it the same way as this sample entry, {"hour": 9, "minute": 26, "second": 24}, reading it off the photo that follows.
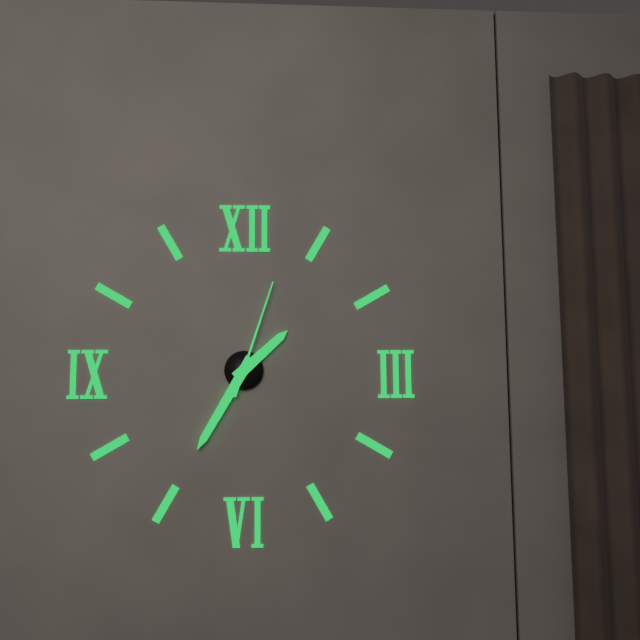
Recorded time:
{"hour": 1, "minute": 35, "second": 3}
